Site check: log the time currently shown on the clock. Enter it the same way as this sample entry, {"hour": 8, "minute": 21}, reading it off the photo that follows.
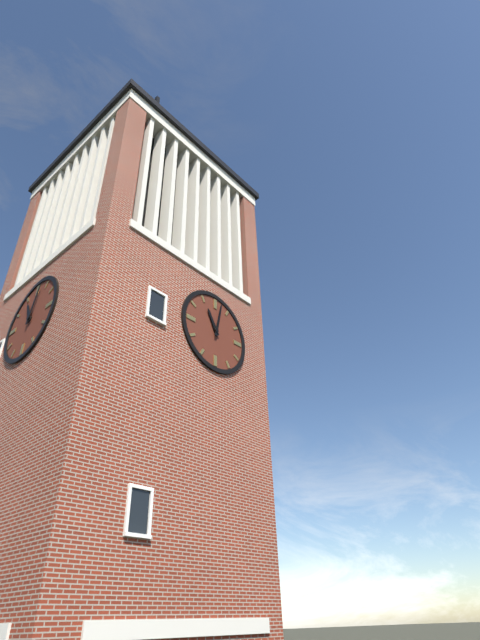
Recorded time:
{"hour": 11, "minute": 2}
